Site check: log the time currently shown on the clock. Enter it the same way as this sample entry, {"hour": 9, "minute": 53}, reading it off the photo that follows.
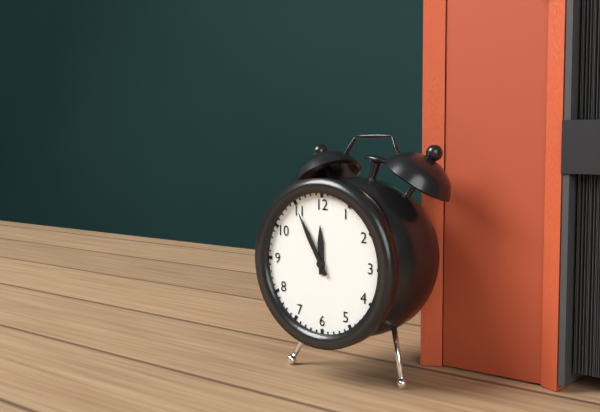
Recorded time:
{"hour": 11, "minute": 55}
